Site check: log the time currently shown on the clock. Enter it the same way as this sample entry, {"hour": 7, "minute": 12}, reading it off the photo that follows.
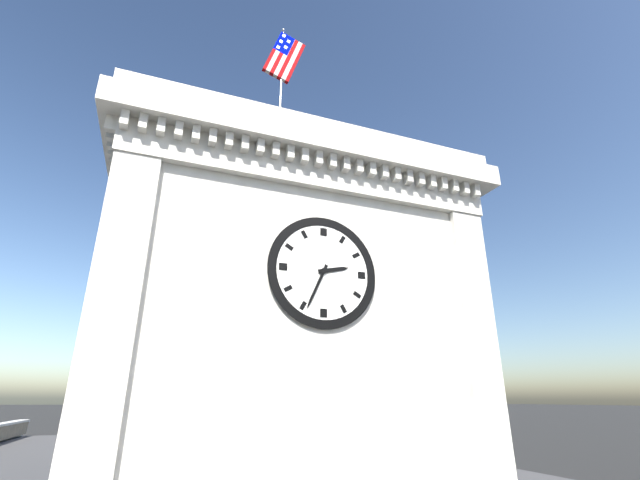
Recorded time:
{"hour": 2, "minute": 34}
